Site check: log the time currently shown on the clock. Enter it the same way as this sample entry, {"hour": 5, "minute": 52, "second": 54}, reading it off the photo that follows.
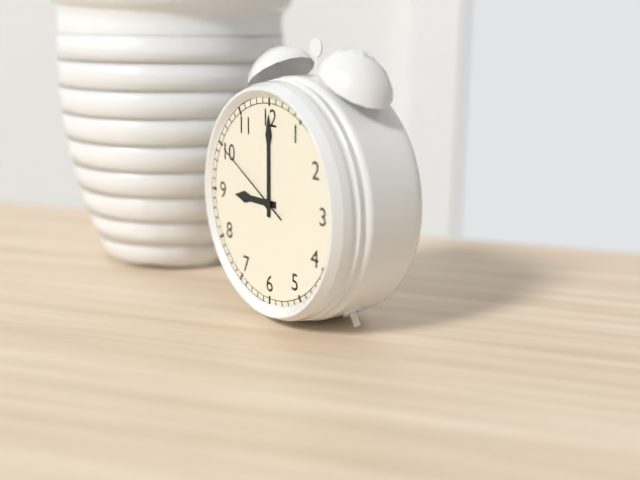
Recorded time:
{"hour": 9, "minute": 0, "second": 50}
